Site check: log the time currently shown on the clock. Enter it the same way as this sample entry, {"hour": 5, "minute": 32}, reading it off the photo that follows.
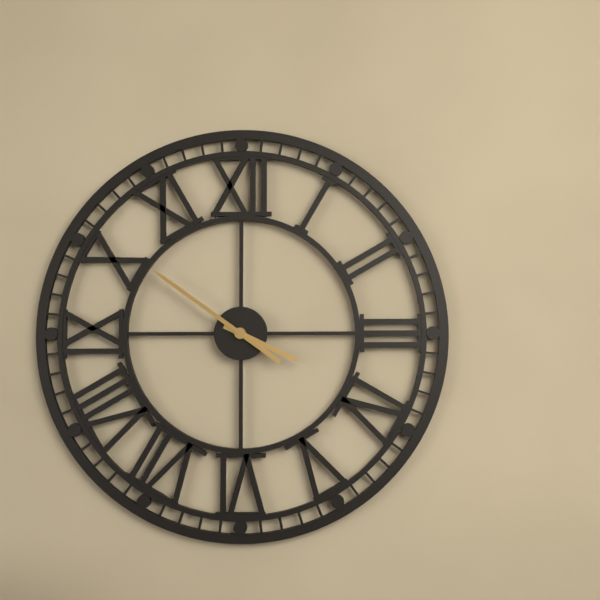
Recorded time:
{"hour": 3, "minute": 51}
